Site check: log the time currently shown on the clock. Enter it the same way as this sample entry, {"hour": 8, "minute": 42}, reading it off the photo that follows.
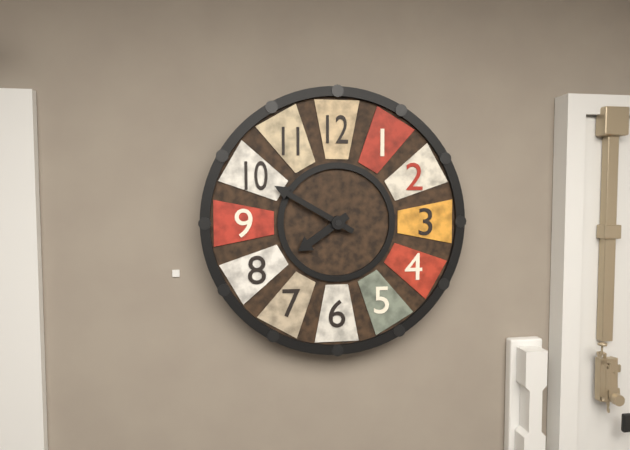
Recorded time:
{"hour": 7, "minute": 50}
